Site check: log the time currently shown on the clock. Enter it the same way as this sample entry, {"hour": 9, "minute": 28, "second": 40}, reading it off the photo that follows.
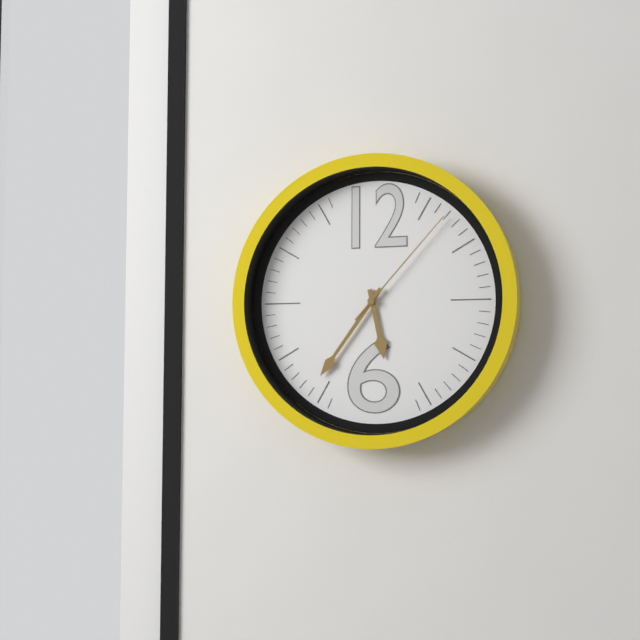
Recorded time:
{"hour": 5, "minute": 36, "second": 7}
